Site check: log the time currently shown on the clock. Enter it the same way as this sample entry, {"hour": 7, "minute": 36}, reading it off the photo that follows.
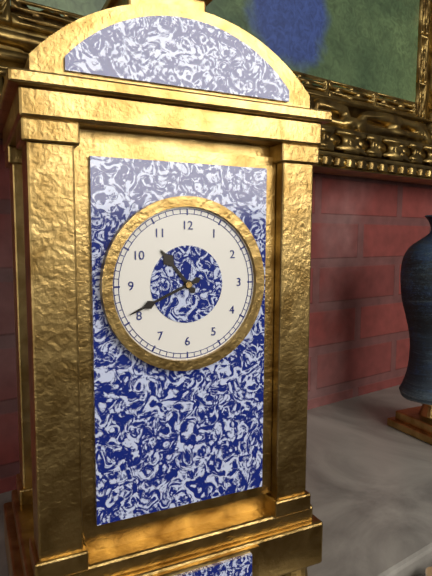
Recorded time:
{"hour": 10, "minute": 41}
